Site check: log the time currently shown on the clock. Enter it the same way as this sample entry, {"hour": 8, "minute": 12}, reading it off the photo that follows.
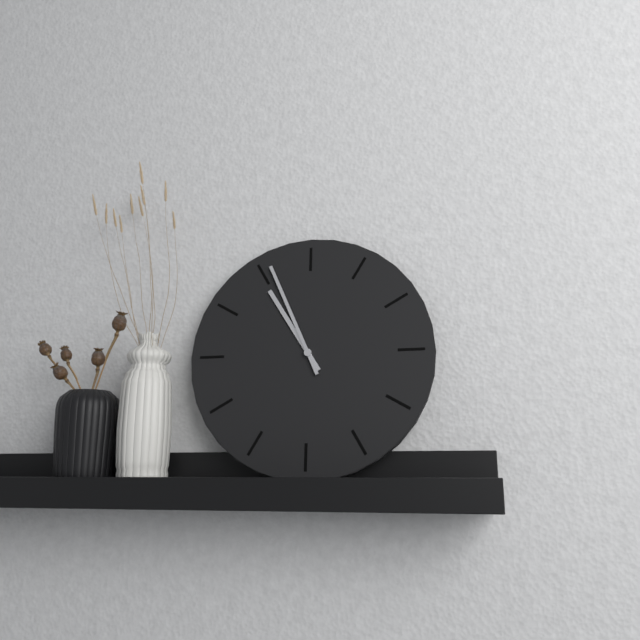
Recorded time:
{"hour": 10, "minute": 56}
